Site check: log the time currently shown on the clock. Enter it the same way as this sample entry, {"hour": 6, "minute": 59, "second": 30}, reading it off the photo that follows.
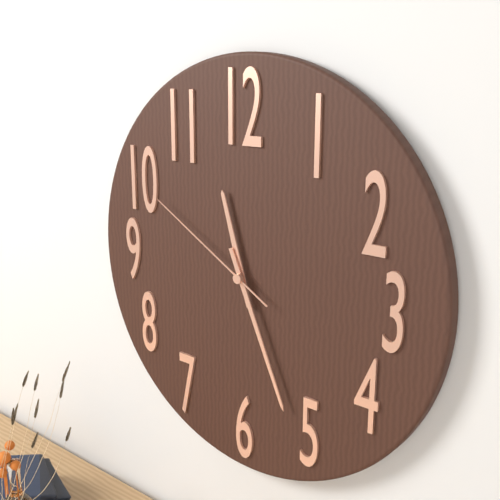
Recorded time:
{"hour": 11, "minute": 26, "second": 50}
